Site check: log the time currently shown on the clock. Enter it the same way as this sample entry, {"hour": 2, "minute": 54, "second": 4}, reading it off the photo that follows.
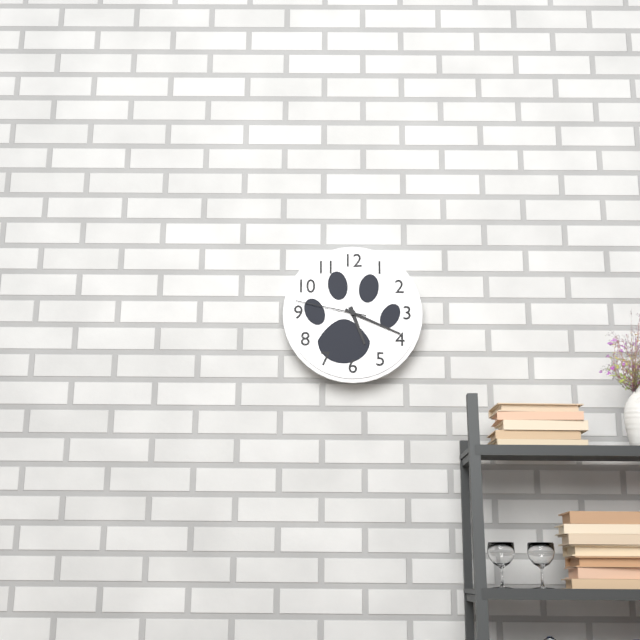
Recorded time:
{"hour": 5, "minute": 19, "second": 47}
